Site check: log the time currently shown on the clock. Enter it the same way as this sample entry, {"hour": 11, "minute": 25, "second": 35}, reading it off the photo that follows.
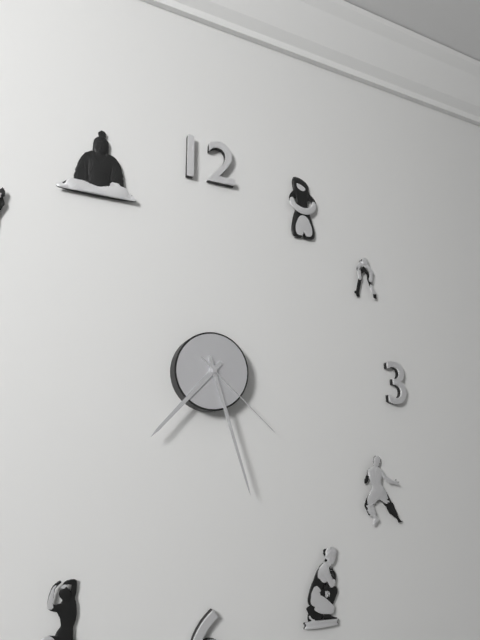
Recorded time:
{"hour": 7, "minute": 27, "second": 22}
